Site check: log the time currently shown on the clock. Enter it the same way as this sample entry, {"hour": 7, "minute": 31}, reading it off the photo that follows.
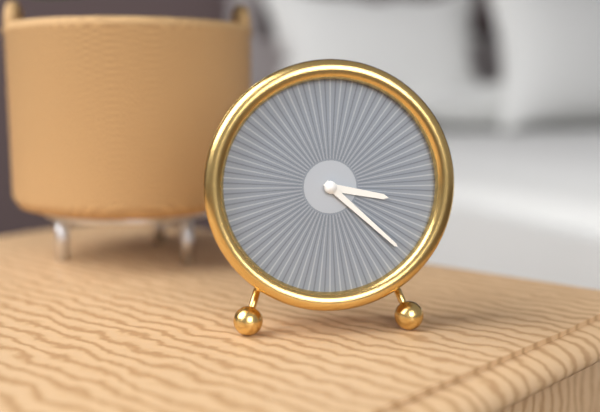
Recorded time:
{"hour": 3, "minute": 22}
